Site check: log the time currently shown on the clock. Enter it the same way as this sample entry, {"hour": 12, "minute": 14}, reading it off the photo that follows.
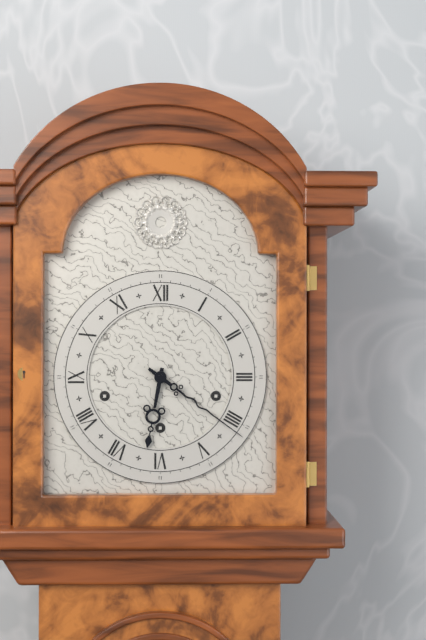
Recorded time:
{"hour": 6, "minute": 21}
